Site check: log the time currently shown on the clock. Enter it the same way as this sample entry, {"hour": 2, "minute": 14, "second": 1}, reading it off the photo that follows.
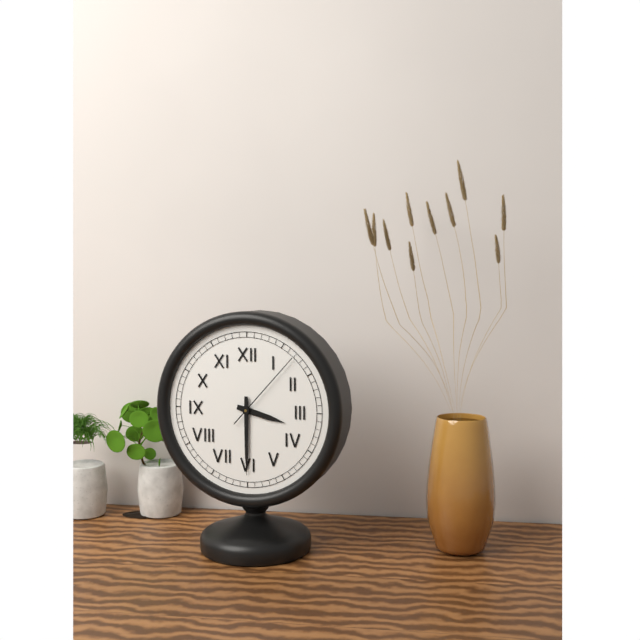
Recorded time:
{"hour": 3, "minute": 30, "second": 7}
